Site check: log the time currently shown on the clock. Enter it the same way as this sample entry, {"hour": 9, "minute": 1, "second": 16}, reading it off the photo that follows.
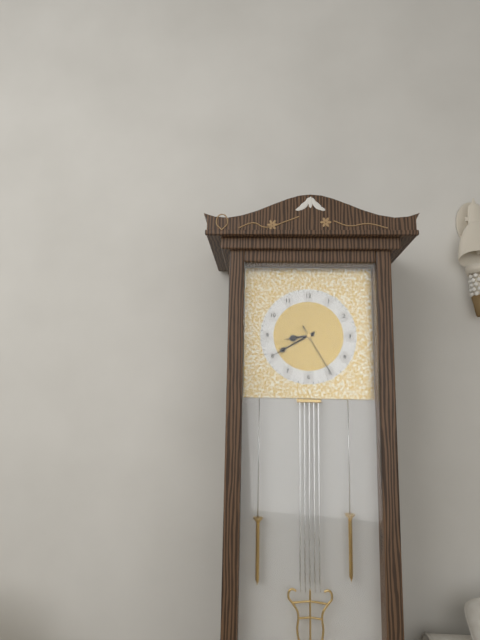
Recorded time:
{"hour": 8, "minute": 40, "second": 25}
